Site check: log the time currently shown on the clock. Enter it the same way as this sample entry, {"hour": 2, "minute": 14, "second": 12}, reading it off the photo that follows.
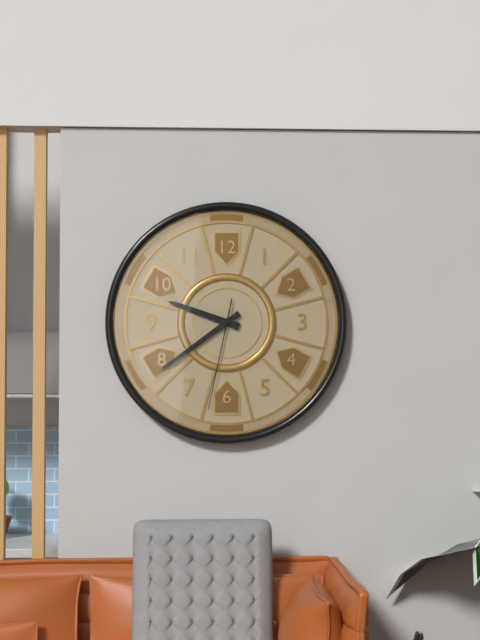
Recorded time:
{"hour": 9, "minute": 39, "second": 32}
